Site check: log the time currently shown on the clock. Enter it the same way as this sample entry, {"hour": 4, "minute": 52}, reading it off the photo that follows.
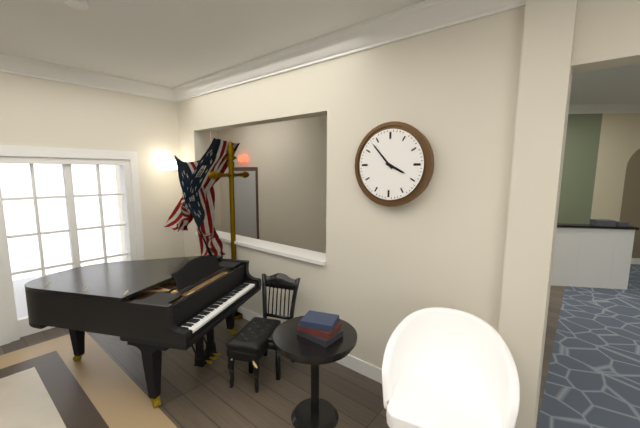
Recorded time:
{"hour": 3, "minute": 53}
